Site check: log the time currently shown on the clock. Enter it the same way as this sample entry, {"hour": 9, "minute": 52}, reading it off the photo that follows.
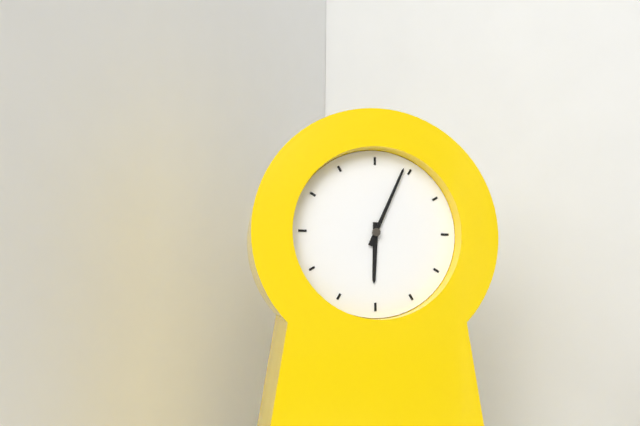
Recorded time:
{"hour": 6, "minute": 4}
